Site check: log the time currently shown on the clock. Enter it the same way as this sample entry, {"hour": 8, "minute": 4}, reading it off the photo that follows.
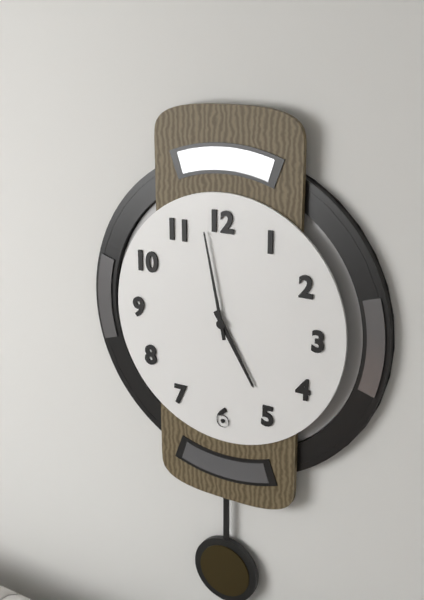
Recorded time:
{"hour": 4, "minute": 58}
